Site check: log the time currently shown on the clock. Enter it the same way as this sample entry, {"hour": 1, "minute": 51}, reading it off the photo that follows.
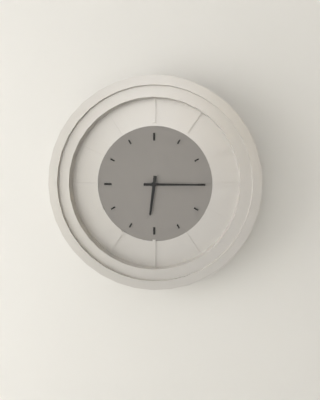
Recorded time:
{"hour": 6, "minute": 15}
